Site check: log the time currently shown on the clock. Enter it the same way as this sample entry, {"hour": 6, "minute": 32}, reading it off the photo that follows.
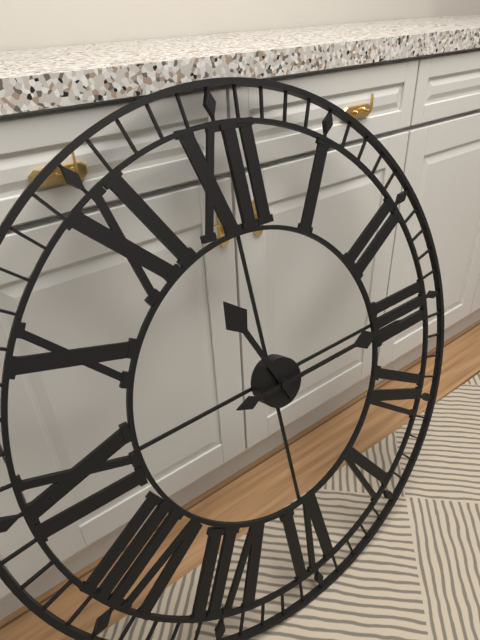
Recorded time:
{"hour": 11, "minute": 15}
